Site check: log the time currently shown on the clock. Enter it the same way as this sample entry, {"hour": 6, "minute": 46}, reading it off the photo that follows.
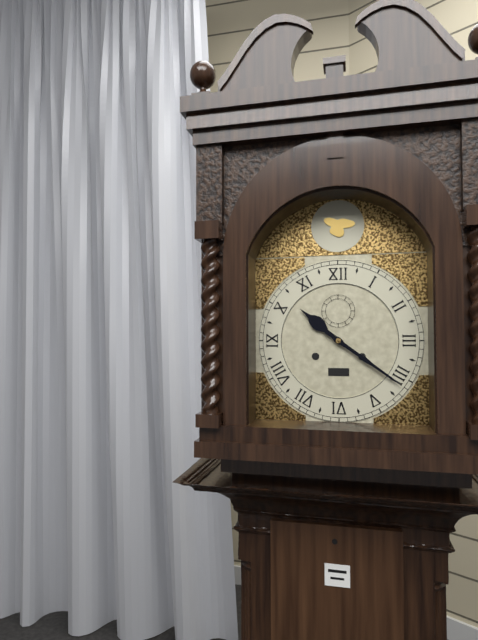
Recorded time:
{"hour": 10, "minute": 21}
